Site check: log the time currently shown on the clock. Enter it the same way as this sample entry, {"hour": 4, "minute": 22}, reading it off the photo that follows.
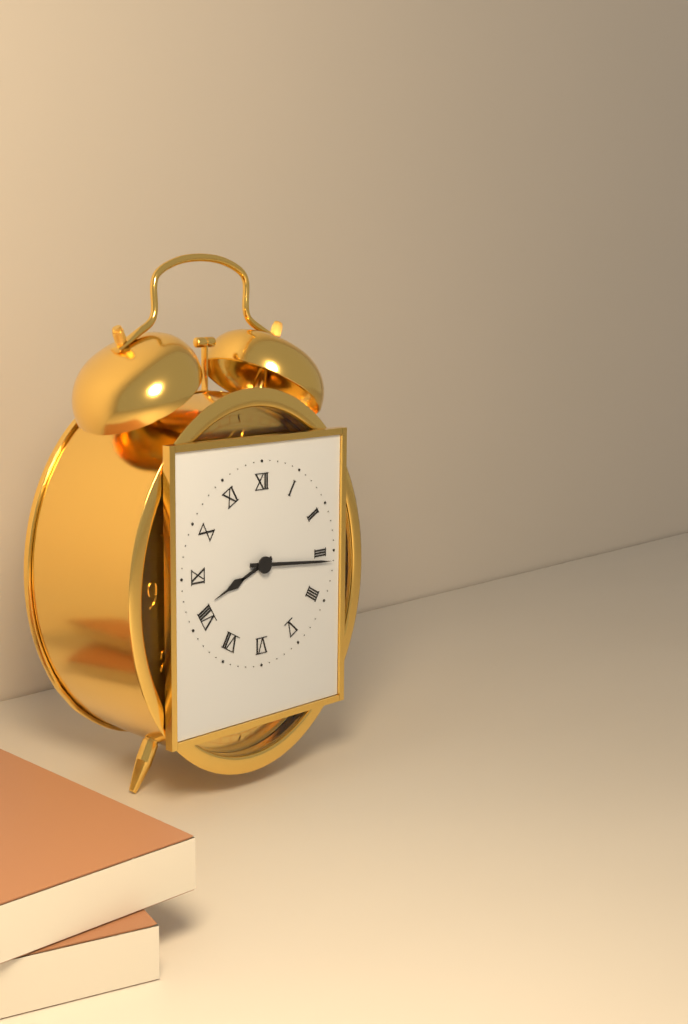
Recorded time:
{"hour": 8, "minute": 16}
